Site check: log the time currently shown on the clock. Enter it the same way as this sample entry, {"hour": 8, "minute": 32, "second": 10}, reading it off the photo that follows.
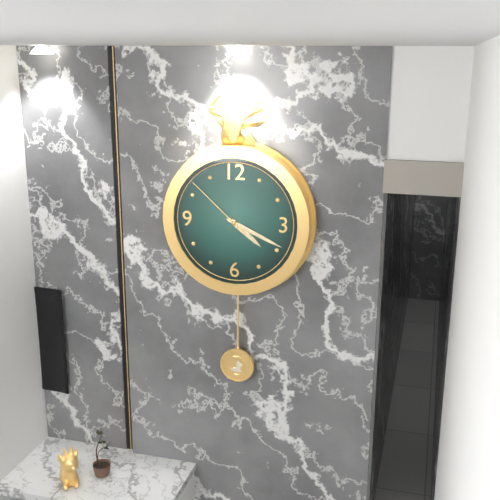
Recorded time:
{"hour": 4, "minute": 19, "second": 52}
